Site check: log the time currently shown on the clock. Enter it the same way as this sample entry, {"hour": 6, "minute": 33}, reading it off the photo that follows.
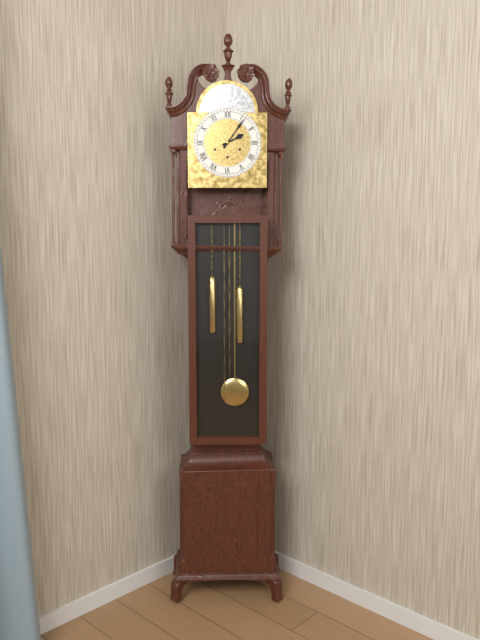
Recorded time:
{"hour": 2, "minute": 6}
